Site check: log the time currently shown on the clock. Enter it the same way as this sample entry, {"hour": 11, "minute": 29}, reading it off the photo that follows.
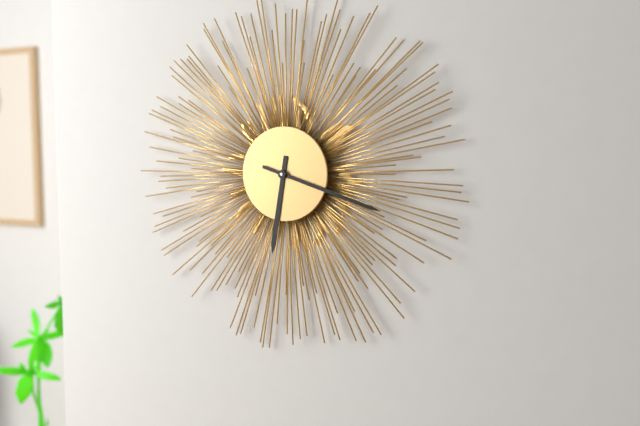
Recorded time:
{"hour": 6, "minute": 18}
